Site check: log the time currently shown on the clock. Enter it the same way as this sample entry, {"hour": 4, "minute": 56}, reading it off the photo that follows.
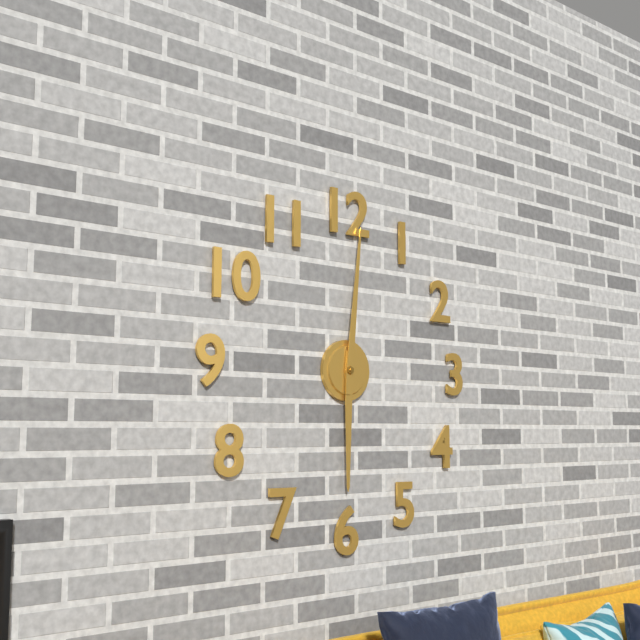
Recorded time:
{"hour": 6, "minute": 1}
